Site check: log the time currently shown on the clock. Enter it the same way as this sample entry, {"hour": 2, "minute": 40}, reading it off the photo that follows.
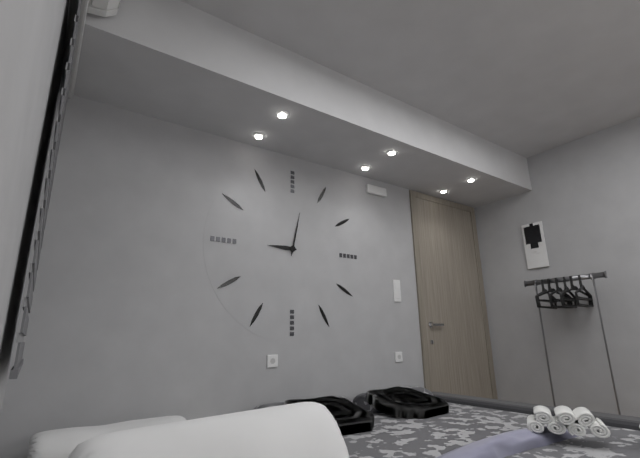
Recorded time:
{"hour": 9, "minute": 2}
